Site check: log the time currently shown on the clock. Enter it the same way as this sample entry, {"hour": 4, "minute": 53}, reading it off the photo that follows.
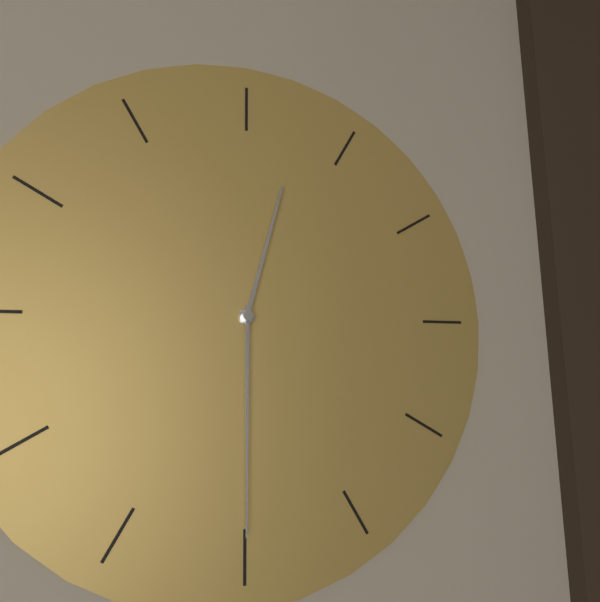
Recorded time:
{"hour": 12, "minute": 30}
